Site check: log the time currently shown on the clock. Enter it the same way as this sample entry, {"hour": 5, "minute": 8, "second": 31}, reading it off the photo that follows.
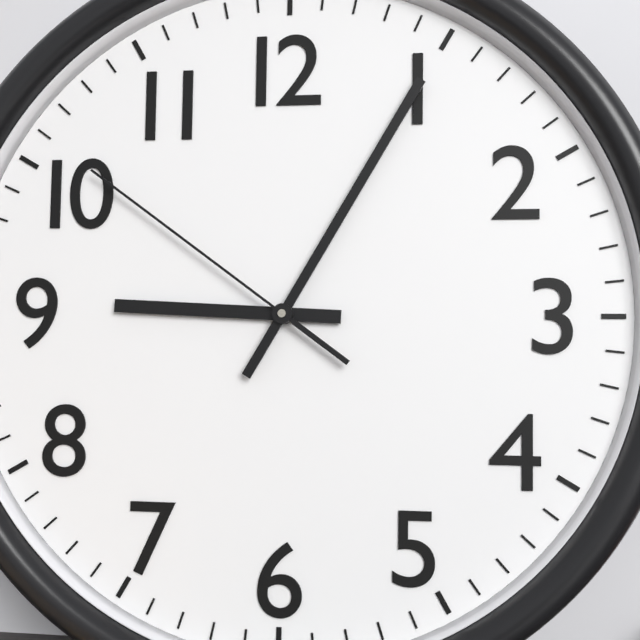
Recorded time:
{"hour": 9, "minute": 5, "second": 51}
